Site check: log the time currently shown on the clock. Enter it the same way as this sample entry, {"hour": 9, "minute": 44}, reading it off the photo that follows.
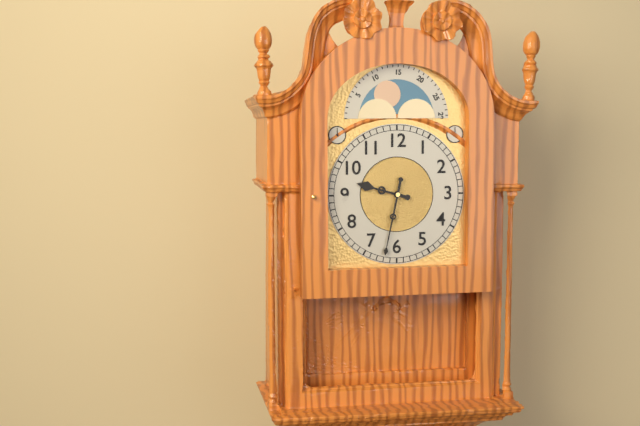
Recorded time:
{"hour": 9, "minute": 32}
